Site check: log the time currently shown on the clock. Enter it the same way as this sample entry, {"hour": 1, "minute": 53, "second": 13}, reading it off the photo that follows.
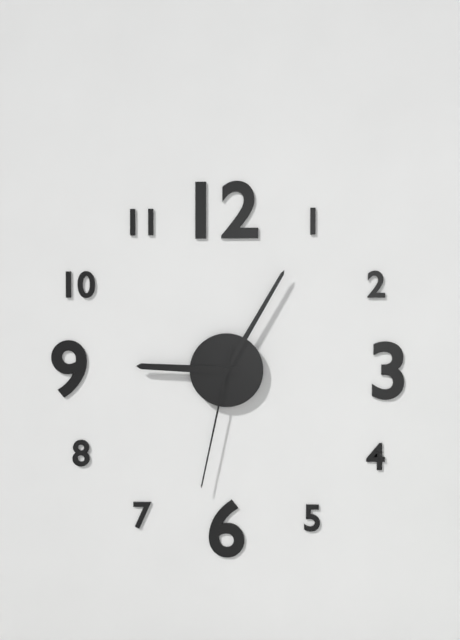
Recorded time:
{"hour": 9, "minute": 5, "second": 32}
